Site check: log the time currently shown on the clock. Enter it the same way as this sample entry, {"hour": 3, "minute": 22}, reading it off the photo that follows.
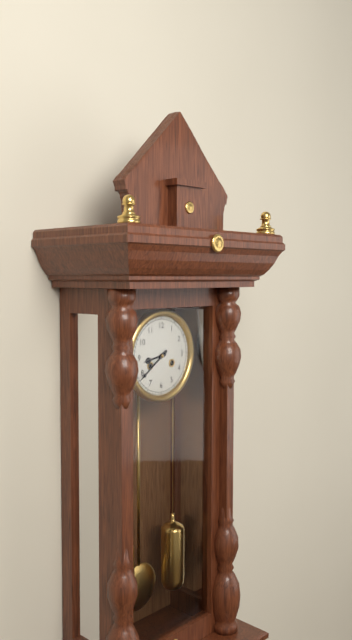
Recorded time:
{"hour": 8, "minute": 39}
